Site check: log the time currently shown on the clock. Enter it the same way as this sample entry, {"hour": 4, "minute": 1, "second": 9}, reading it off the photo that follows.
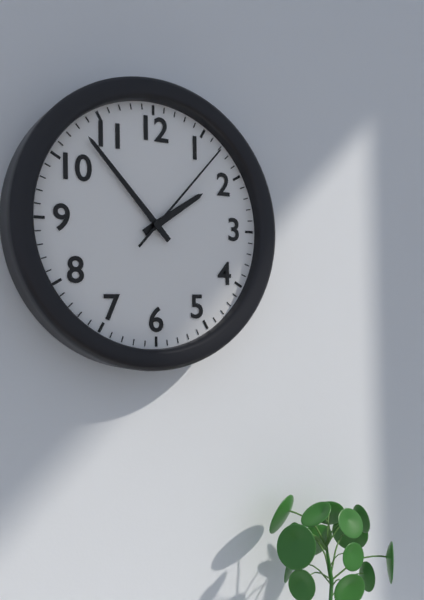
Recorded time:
{"hour": 1, "minute": 53, "second": 7}
